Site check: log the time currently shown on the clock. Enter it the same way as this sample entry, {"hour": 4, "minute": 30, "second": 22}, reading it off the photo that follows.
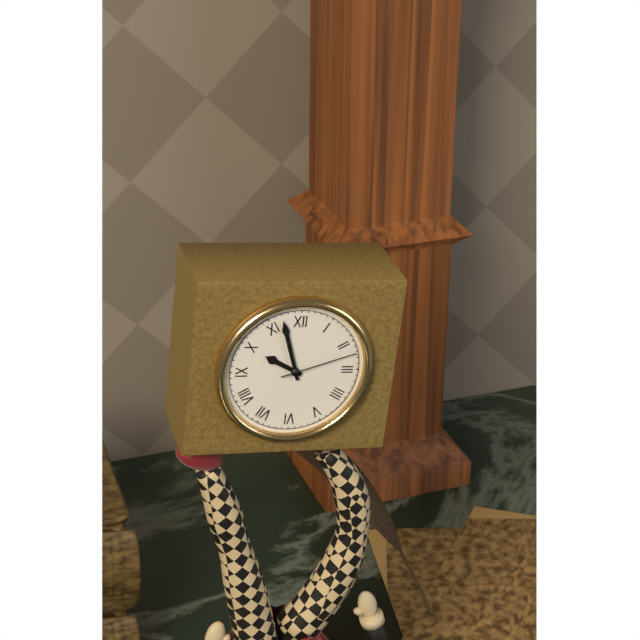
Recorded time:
{"hour": 9, "minute": 57, "second": 12}
